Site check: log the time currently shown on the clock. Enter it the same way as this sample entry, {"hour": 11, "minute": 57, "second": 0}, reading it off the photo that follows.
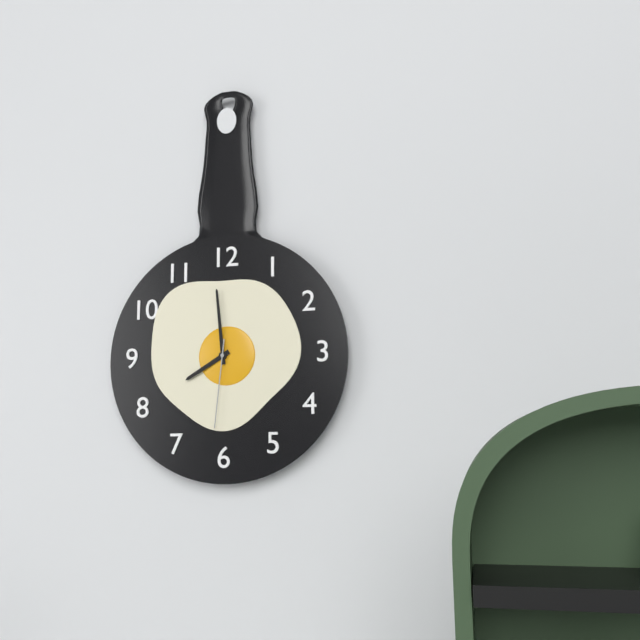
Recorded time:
{"hour": 7, "minute": 59, "second": 31}
